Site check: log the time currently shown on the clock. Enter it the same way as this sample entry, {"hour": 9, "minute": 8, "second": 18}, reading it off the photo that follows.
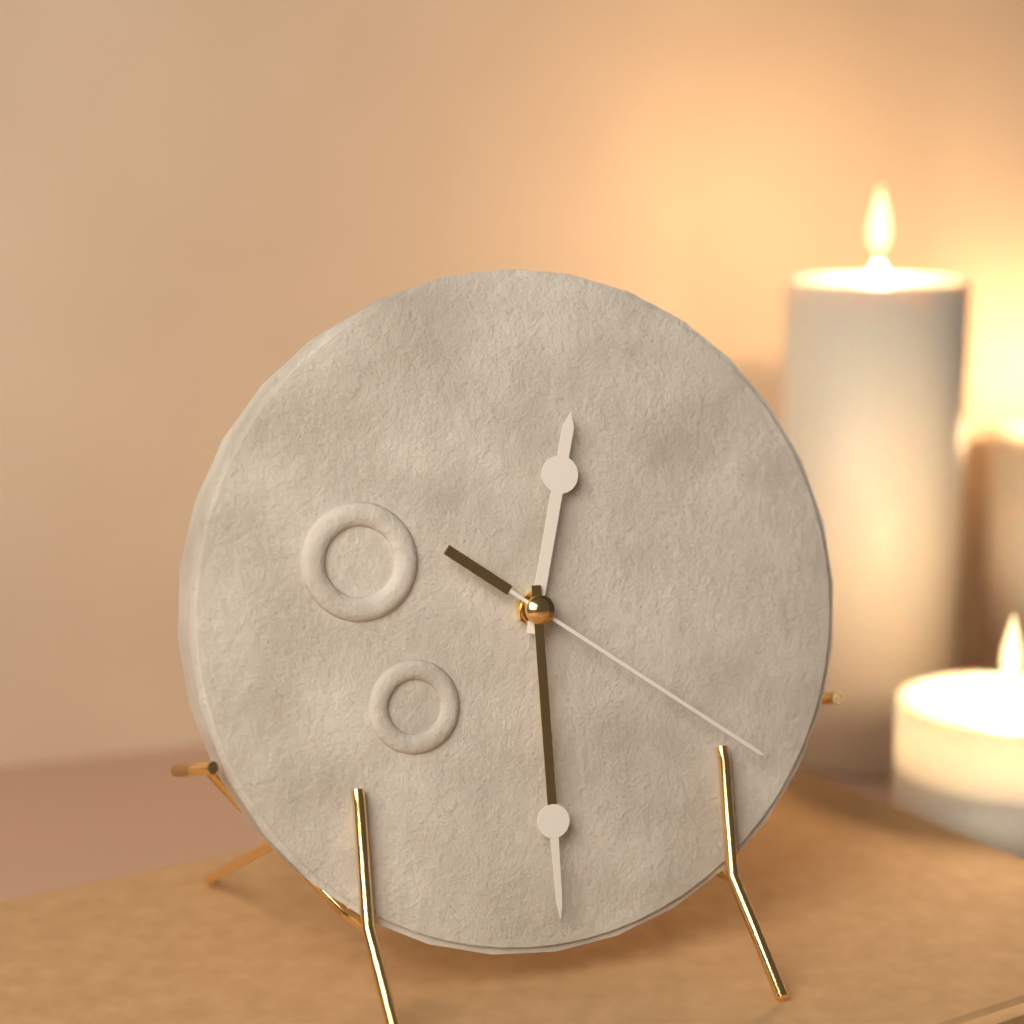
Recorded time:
{"hour": 12, "minute": 30, "second": 21}
